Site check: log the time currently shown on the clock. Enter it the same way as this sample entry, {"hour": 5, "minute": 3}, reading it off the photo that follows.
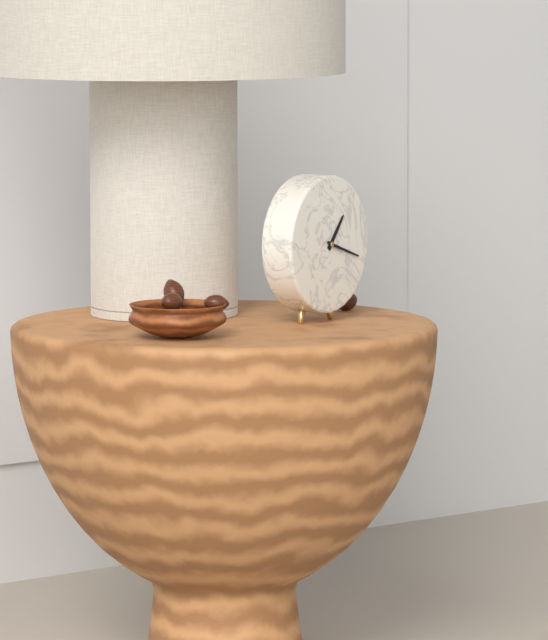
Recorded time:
{"hour": 1, "minute": 18}
